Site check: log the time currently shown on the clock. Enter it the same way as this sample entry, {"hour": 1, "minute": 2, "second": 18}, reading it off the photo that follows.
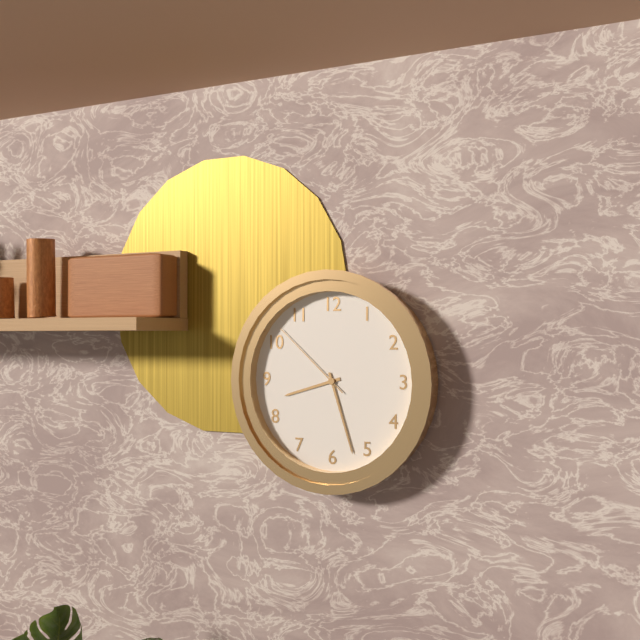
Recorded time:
{"hour": 8, "minute": 27, "second": 52}
